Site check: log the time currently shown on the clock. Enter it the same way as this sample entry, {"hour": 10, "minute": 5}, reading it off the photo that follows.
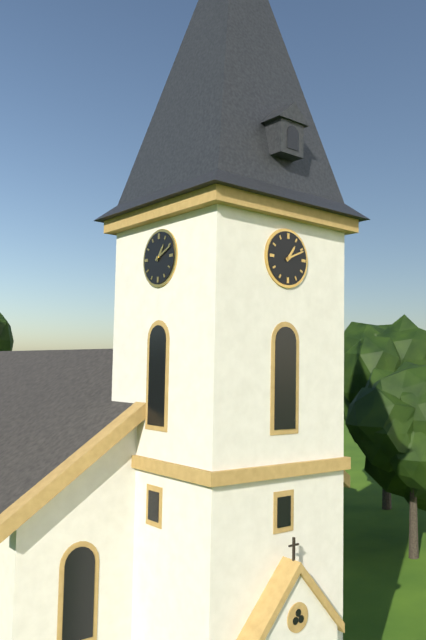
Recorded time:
{"hour": 1, "minute": 11}
